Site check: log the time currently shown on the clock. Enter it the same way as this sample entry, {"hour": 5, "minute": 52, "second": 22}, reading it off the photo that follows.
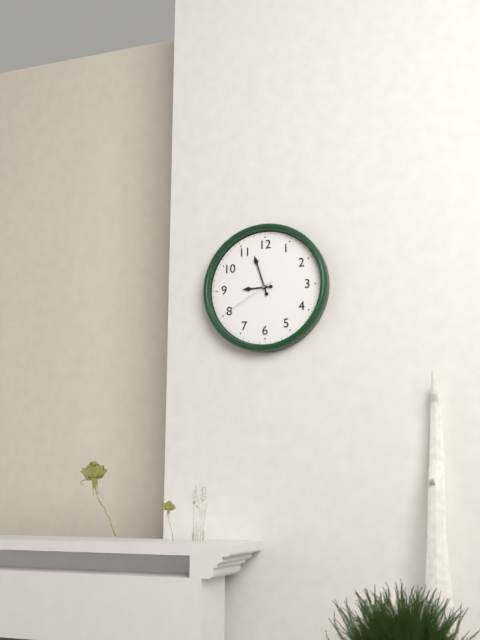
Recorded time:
{"hour": 8, "minute": 57, "second": 40}
